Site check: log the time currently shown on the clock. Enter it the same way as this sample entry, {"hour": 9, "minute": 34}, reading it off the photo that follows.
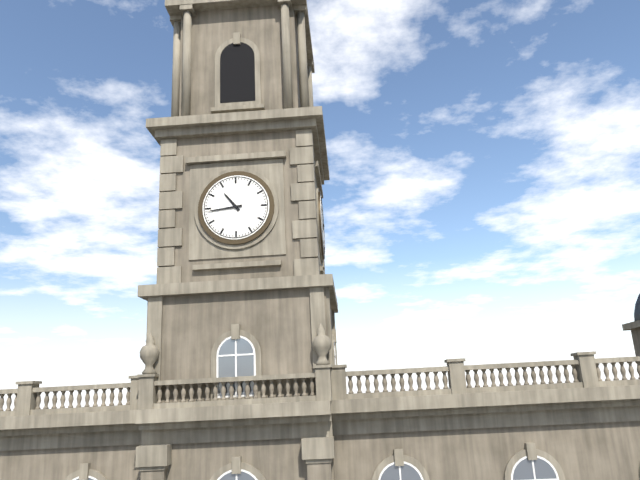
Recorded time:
{"hour": 10, "minute": 44}
